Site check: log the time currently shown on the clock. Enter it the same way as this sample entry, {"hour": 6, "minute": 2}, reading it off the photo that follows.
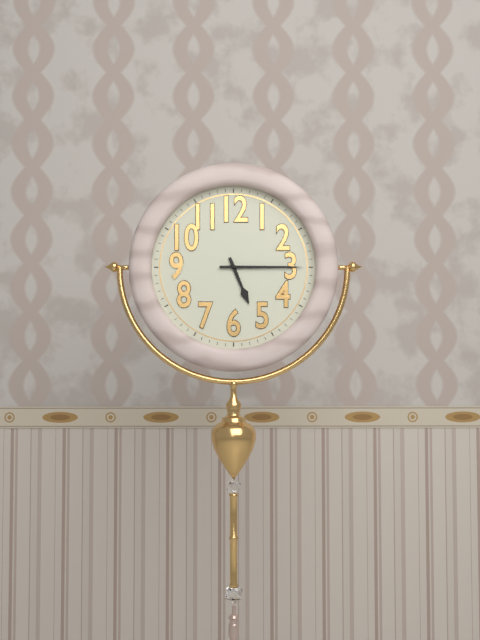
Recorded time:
{"hour": 5, "minute": 15}
